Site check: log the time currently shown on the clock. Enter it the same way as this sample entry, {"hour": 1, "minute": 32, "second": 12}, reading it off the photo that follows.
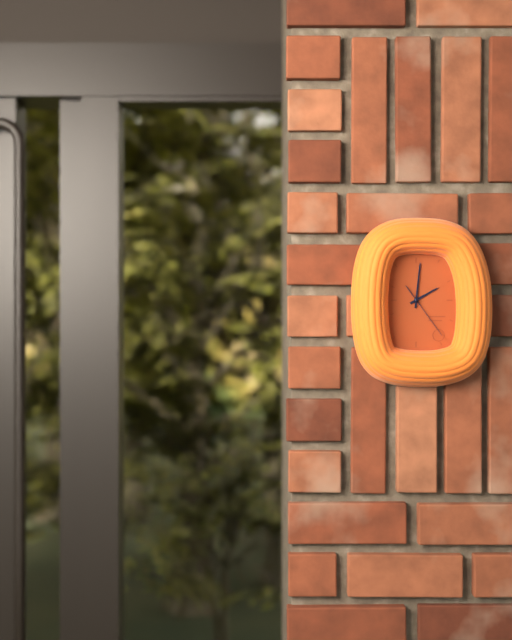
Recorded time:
{"hour": 2, "minute": 1, "second": 24}
